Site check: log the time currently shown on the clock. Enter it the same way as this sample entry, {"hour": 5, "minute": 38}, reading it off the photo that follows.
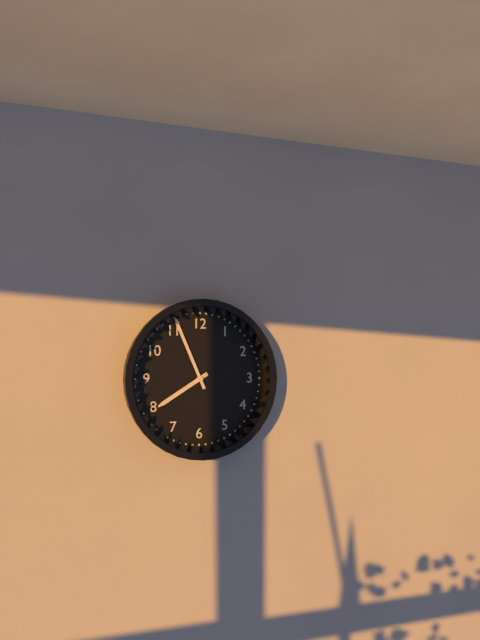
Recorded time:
{"hour": 7, "minute": 56}
